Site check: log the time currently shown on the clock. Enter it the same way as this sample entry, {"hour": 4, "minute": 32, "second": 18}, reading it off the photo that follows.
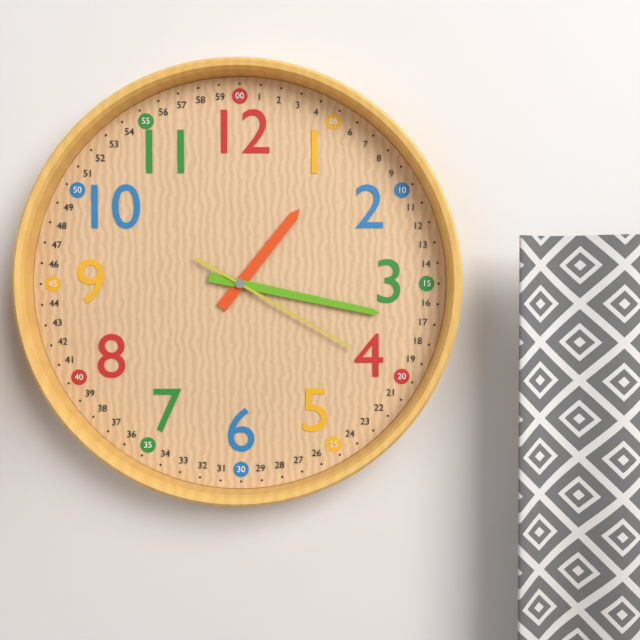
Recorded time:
{"hour": 1, "minute": 17, "second": 20}
